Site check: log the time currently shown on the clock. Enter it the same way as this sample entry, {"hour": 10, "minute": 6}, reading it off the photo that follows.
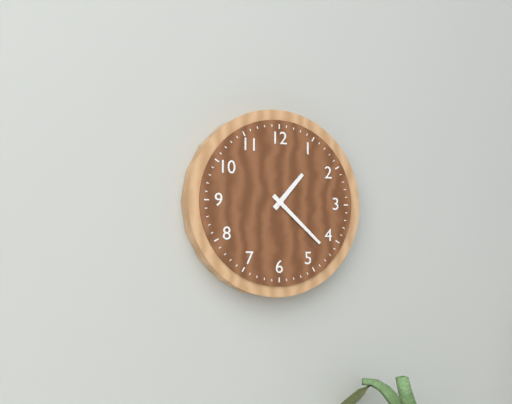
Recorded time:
{"hour": 1, "minute": 22}
